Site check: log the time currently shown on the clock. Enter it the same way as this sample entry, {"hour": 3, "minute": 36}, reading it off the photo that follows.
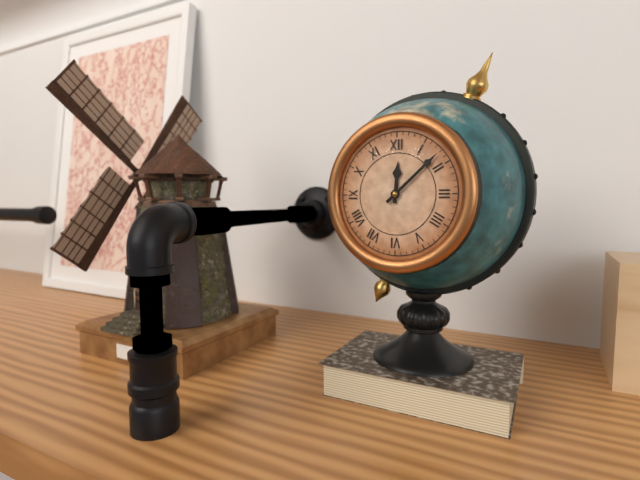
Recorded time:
{"hour": 12, "minute": 8}
